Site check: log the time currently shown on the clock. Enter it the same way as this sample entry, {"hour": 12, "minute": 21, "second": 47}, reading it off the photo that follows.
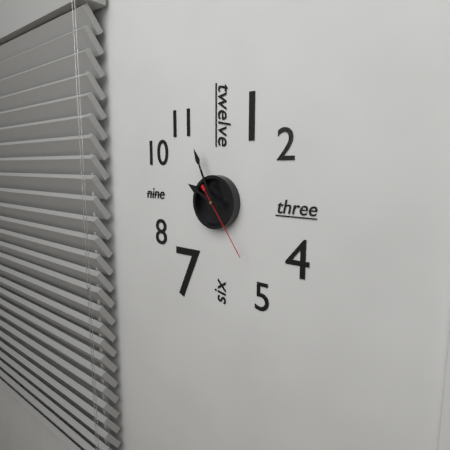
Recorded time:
{"hour": 9, "minute": 56, "second": 24}
